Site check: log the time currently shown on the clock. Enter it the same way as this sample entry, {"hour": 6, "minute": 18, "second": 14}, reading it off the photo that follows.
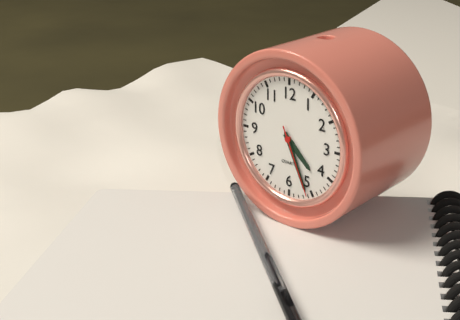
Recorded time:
{"hour": 4, "minute": 26, "second": 26}
